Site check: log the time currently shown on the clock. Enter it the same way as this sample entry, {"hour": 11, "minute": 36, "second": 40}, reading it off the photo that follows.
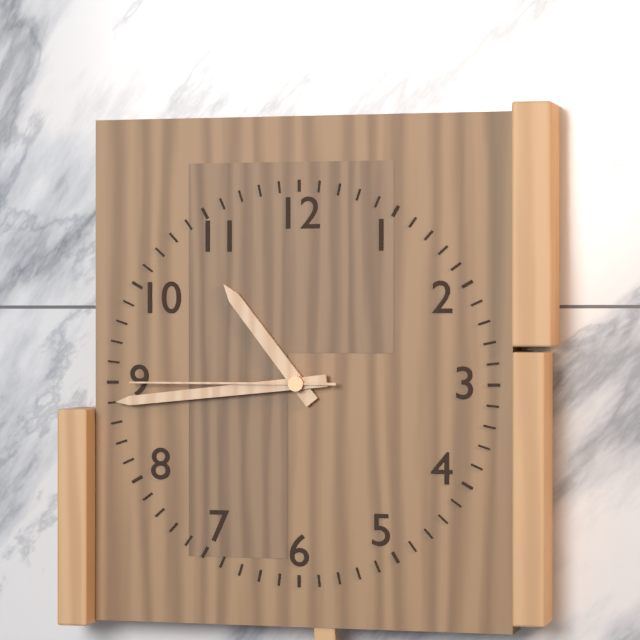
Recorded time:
{"hour": 10, "minute": 44, "second": 45}
